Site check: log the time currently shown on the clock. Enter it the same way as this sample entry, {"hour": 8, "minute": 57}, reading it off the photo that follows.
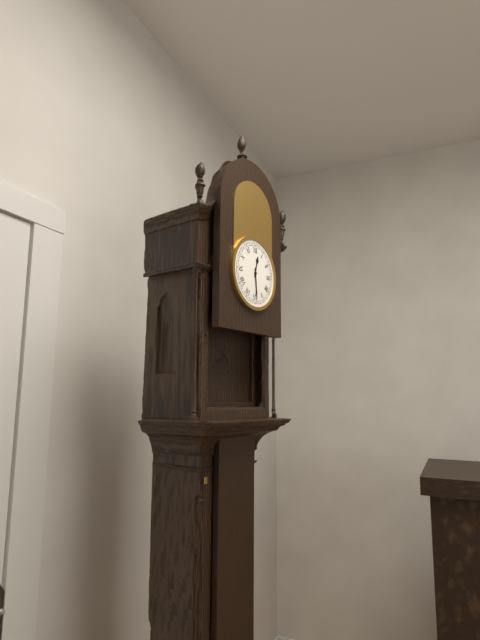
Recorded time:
{"hour": 12, "minute": 29}
